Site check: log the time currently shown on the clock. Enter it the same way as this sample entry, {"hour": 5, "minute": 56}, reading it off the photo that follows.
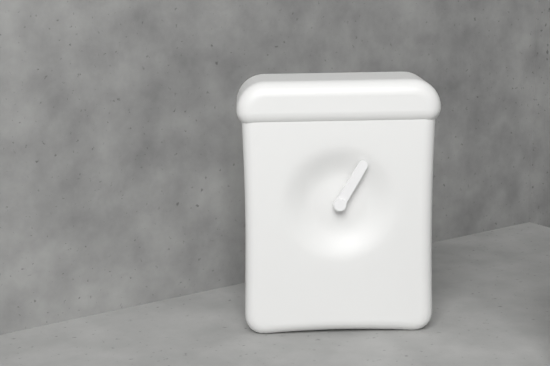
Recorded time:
{"hour": 1, "minute": 5}
